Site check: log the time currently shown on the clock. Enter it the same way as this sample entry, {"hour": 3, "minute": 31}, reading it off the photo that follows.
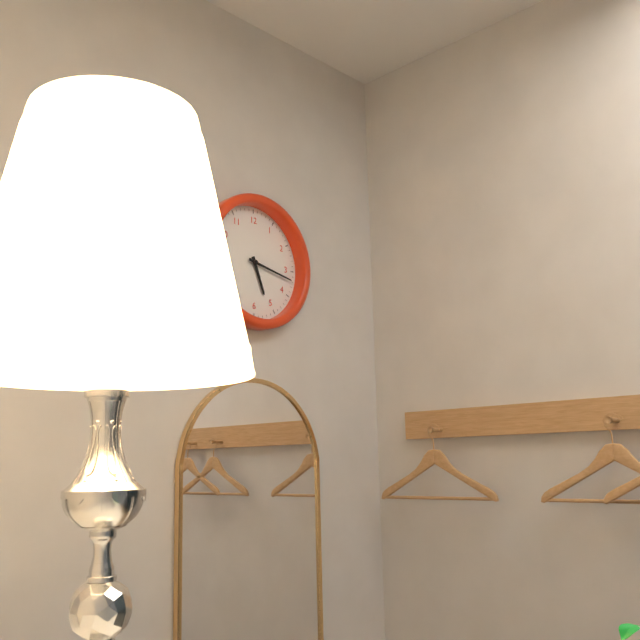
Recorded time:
{"hour": 5, "minute": 17}
